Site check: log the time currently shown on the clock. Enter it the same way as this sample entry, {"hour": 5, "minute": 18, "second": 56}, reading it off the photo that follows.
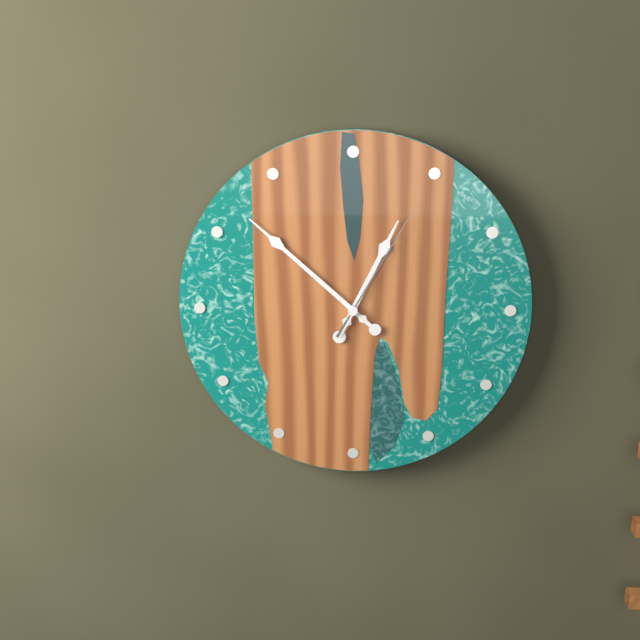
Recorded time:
{"hour": 12, "minute": 52, "second": 5}
